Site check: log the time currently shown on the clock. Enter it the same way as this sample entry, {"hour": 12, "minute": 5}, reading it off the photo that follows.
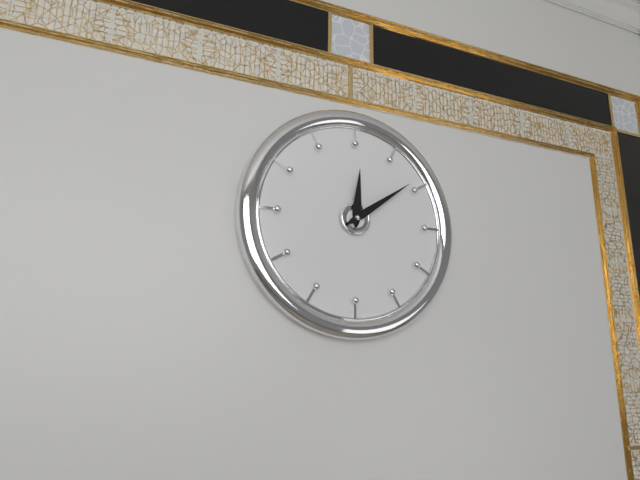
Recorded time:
{"hour": 12, "minute": 9}
